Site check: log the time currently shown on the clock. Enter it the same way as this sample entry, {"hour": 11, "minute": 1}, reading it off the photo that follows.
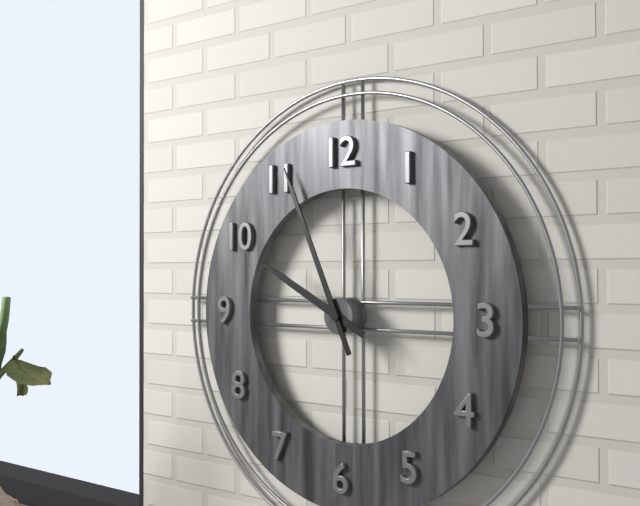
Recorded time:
{"hour": 9, "minute": 56}
